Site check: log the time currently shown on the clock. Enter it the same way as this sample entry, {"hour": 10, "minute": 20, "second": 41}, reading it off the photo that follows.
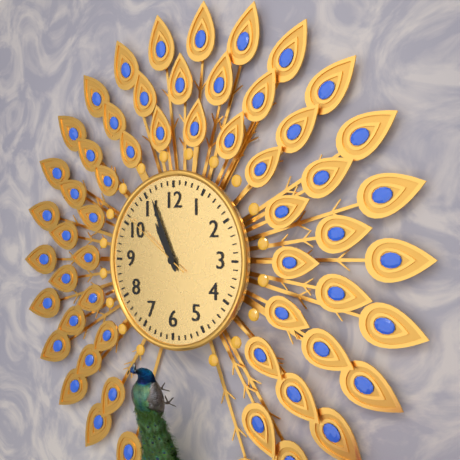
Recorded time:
{"hour": 10, "minute": 56, "second": 51}
